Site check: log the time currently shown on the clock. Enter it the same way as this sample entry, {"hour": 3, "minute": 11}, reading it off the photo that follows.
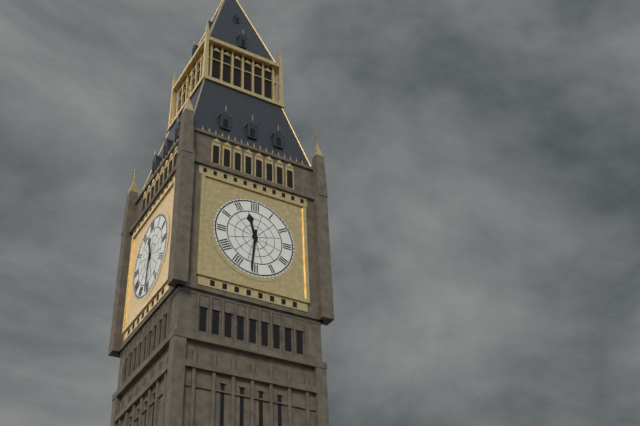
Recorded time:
{"hour": 11, "minute": 31}
